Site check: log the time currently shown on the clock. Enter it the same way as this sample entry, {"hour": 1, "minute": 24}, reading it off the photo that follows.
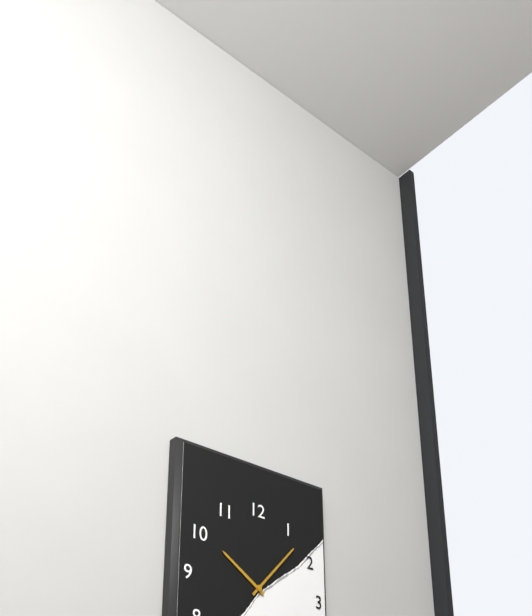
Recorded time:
{"hour": 10, "minute": 7}
